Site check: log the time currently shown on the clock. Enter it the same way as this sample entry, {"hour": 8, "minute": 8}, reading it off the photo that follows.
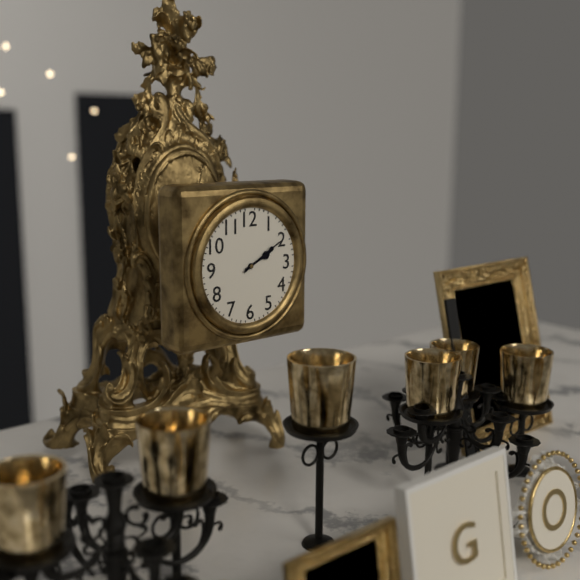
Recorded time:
{"hour": 2, "minute": 10}
